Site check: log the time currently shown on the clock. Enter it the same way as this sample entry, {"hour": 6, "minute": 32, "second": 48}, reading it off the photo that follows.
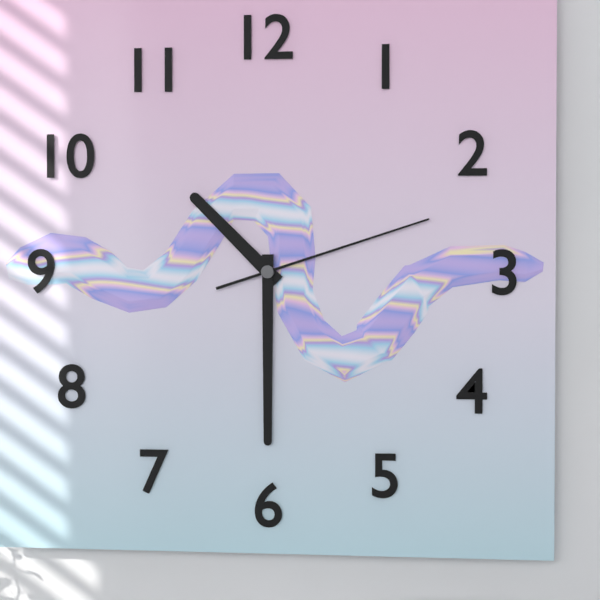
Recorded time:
{"hour": 10, "minute": 30, "second": 12}
